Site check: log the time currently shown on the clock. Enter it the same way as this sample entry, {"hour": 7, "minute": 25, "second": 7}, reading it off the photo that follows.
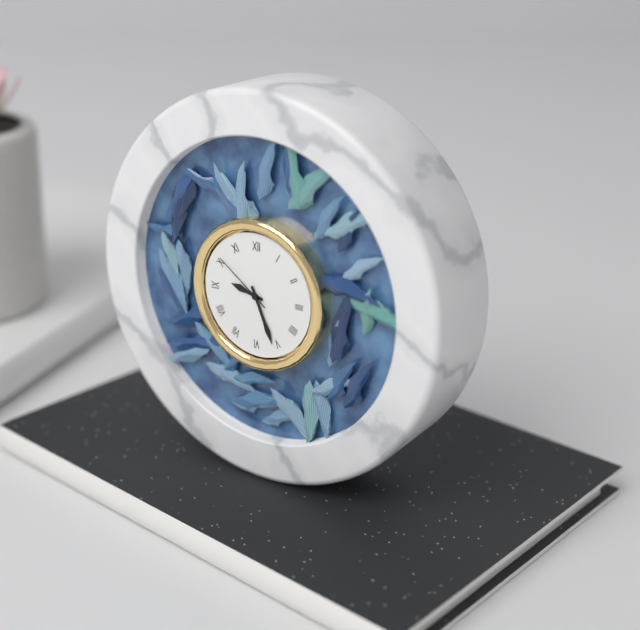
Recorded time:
{"hour": 9, "minute": 26, "second": 51}
